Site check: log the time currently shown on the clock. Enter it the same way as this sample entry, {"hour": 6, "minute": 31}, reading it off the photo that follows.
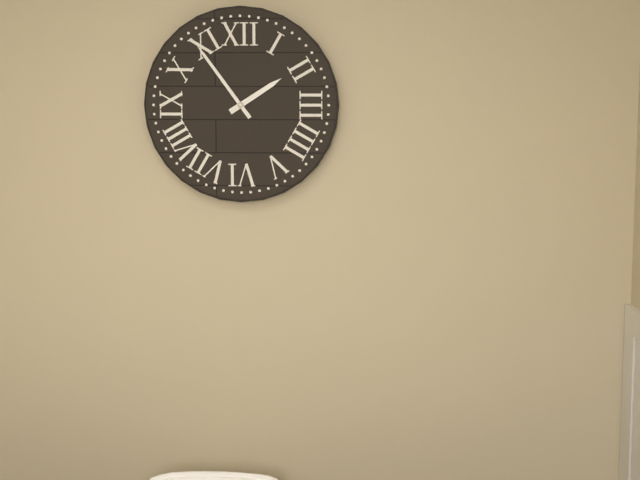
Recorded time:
{"hour": 1, "minute": 54}
